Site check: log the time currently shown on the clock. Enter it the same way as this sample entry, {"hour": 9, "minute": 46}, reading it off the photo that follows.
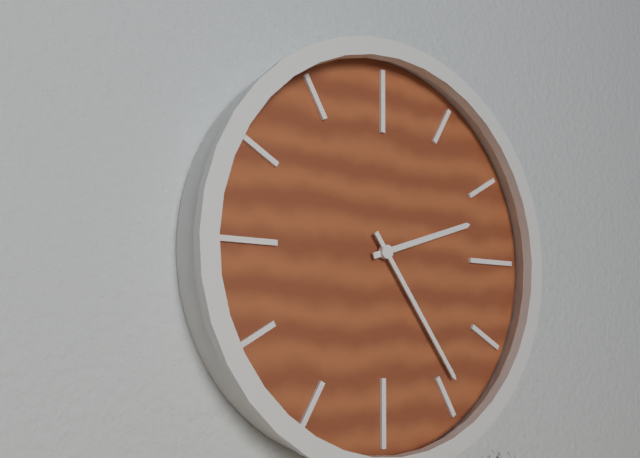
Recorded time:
{"hour": 2, "minute": 24}
